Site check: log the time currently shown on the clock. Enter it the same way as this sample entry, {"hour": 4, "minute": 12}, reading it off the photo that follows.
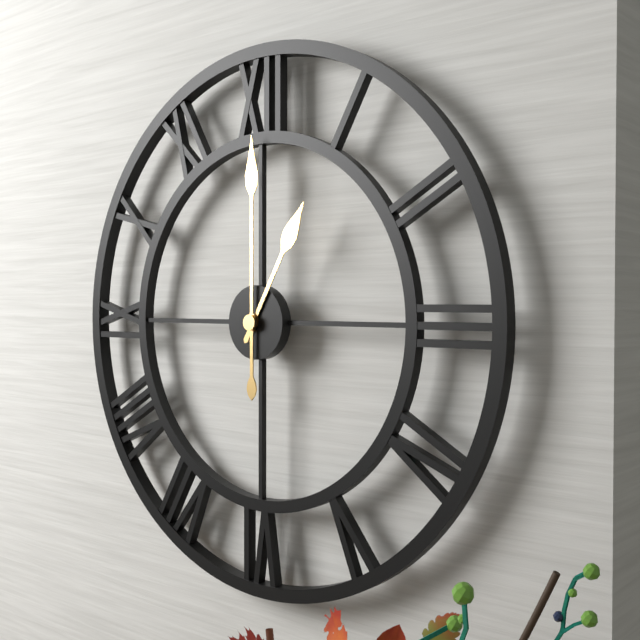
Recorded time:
{"hour": 1, "minute": 0}
